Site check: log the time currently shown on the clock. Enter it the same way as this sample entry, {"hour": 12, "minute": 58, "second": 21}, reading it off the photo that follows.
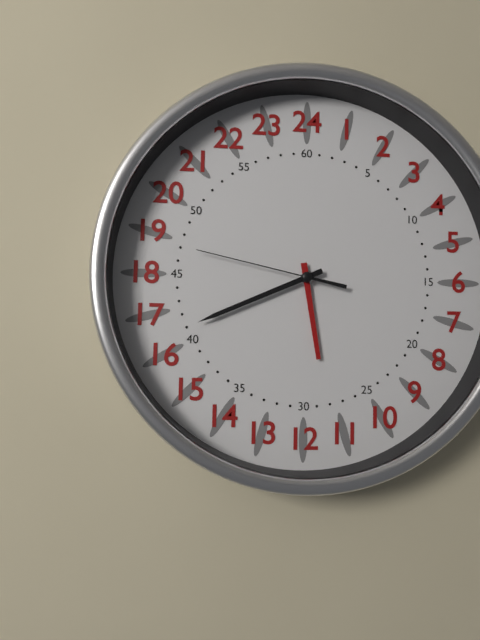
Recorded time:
{"hour": 5, "minute": 41, "second": 47}
